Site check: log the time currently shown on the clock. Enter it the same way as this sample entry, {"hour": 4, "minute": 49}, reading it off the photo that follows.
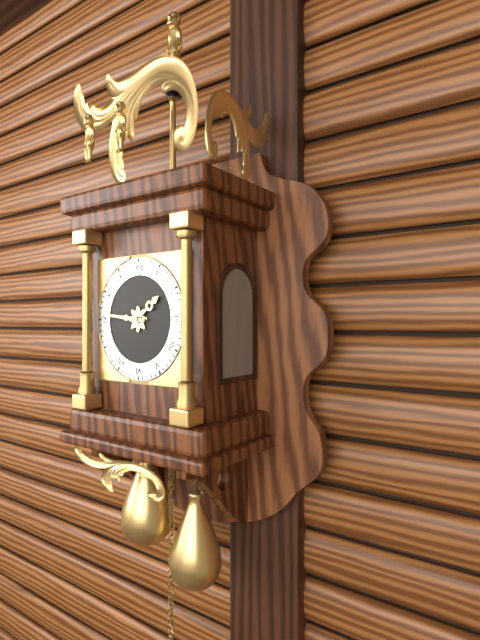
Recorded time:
{"hour": 1, "minute": 46}
